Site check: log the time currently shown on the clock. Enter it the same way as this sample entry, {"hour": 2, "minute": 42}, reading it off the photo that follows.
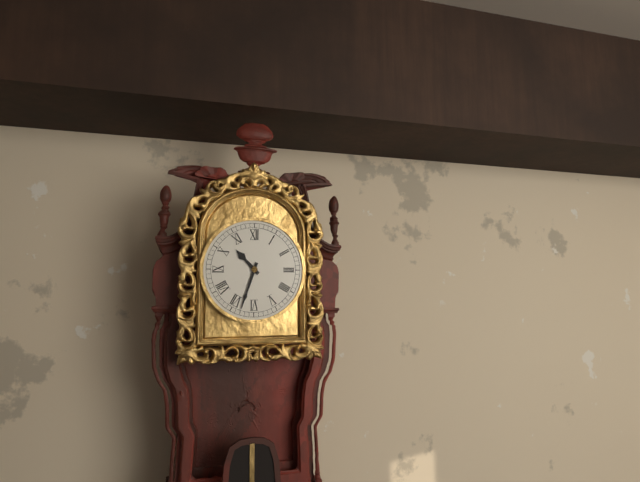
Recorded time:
{"hour": 10, "minute": 33}
